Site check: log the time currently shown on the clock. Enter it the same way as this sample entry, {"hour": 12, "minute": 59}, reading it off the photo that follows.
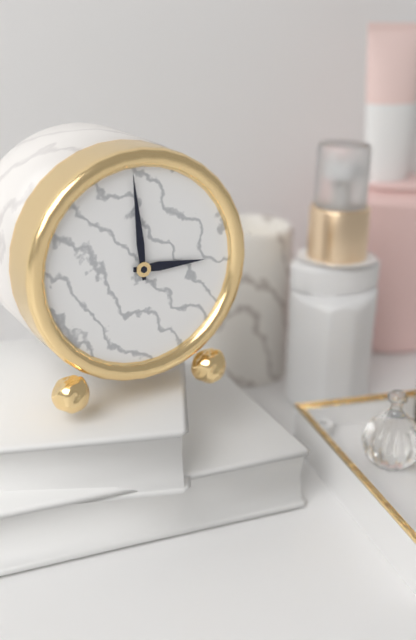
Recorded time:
{"hour": 2, "minute": 59}
